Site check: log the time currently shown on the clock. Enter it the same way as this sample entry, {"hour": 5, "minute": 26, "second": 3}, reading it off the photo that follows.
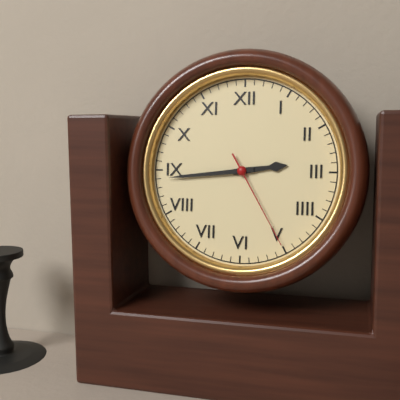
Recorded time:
{"hour": 2, "minute": 44, "second": 25}
